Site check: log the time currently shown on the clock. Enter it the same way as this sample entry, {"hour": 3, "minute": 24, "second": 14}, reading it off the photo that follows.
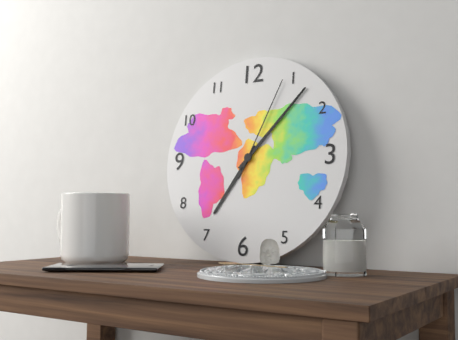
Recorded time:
{"hour": 7, "minute": 7, "second": 4}
